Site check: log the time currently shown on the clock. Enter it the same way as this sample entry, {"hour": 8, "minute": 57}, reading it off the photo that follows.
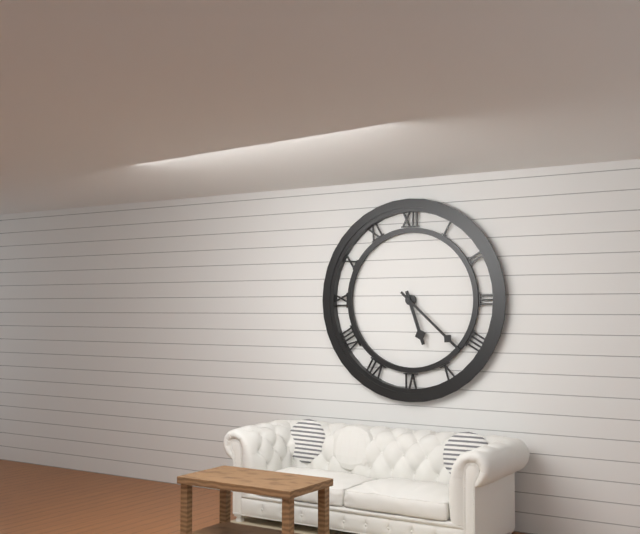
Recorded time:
{"hour": 5, "minute": 22}
